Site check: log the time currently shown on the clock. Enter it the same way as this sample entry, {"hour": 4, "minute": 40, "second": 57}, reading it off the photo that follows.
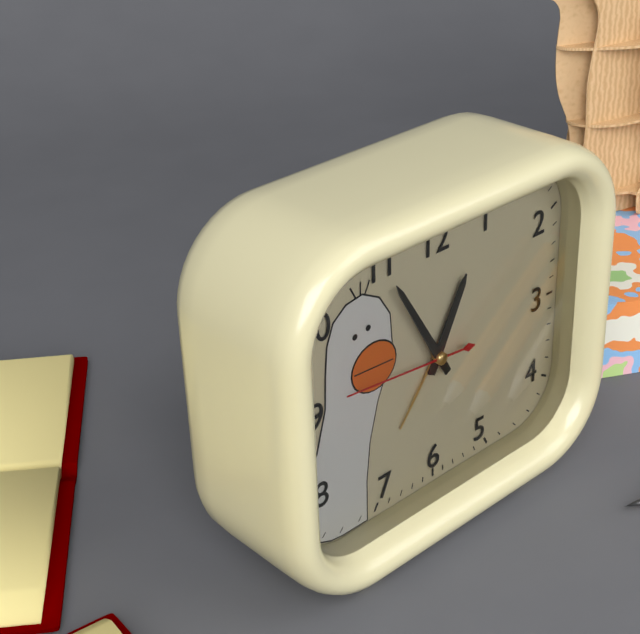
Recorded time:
{"hour": 12, "minute": 55, "second": 46}
